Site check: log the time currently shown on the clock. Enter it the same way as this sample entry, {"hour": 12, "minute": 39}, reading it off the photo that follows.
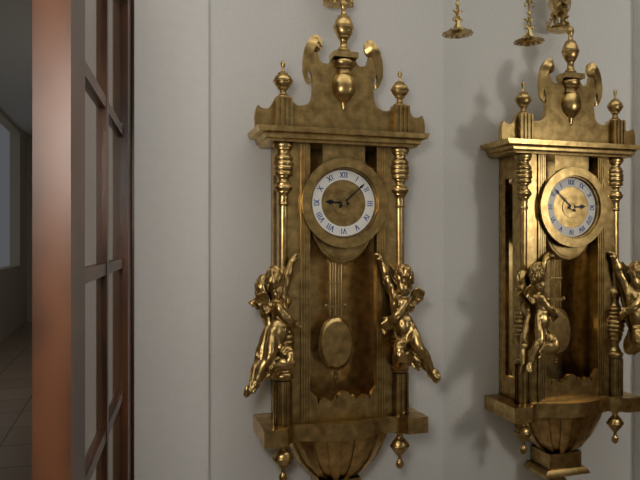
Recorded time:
{"hour": 9, "minute": 8}
